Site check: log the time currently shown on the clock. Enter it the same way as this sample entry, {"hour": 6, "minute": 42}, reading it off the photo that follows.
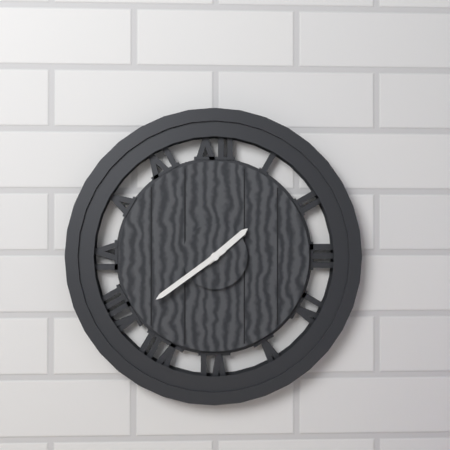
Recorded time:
{"hour": 1, "minute": 39}
